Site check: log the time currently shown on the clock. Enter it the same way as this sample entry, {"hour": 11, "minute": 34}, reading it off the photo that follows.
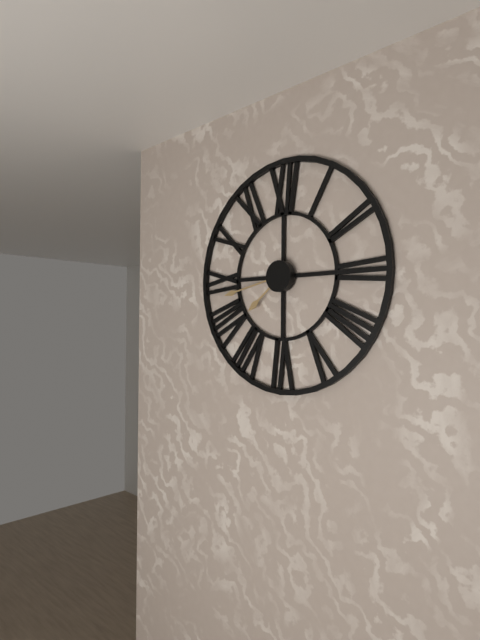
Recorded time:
{"hour": 7, "minute": 43}
